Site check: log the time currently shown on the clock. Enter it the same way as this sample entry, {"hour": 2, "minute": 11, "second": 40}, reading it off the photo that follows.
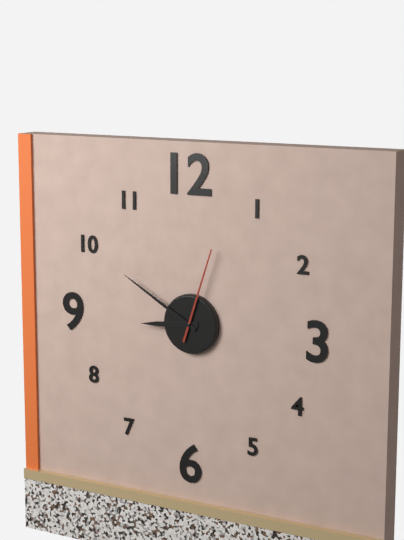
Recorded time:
{"hour": 8, "minute": 50, "second": 3}
